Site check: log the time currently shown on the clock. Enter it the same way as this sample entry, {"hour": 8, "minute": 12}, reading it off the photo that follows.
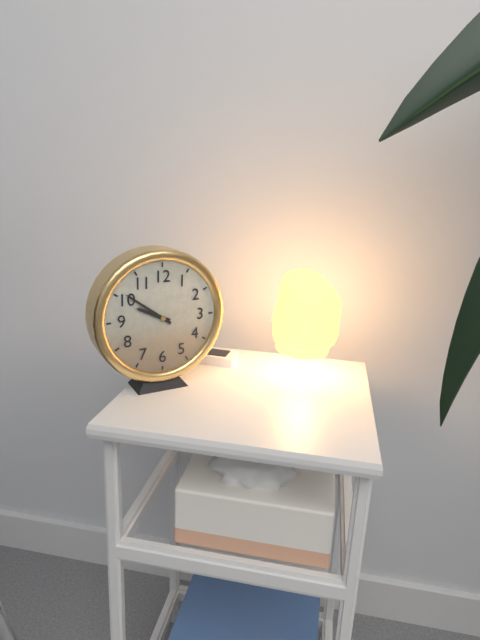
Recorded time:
{"hour": 9, "minute": 51}
